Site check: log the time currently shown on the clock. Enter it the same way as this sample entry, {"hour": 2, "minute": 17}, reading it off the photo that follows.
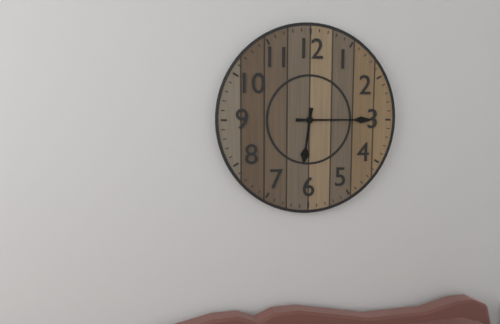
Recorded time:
{"hour": 6, "minute": 15}
